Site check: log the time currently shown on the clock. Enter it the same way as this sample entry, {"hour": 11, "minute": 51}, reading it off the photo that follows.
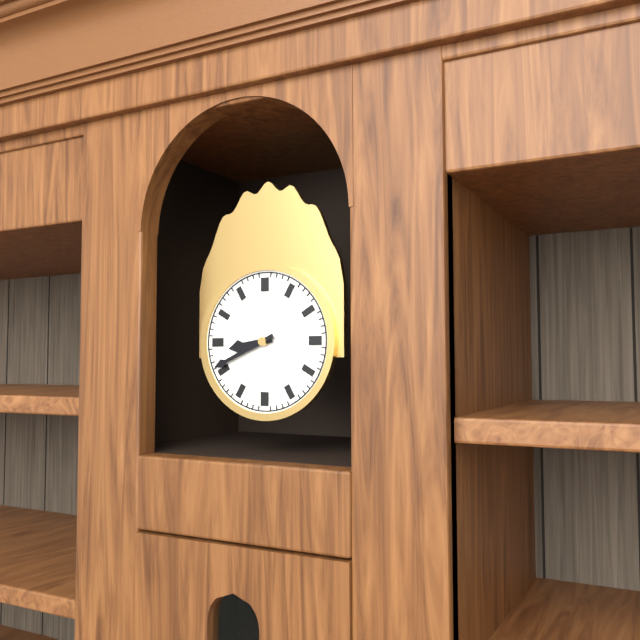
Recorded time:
{"hour": 8, "minute": 41}
